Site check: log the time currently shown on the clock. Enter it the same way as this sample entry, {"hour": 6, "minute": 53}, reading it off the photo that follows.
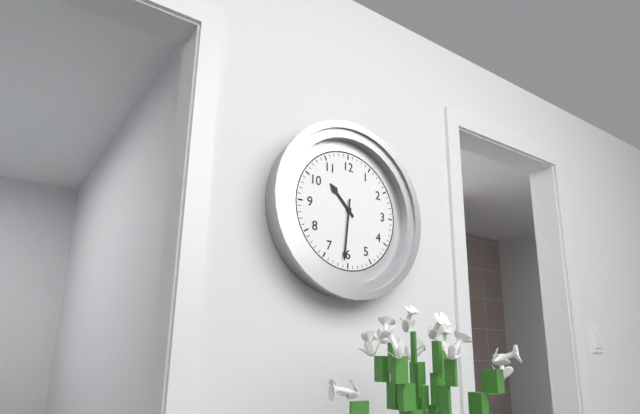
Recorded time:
{"hour": 10, "minute": 31}
